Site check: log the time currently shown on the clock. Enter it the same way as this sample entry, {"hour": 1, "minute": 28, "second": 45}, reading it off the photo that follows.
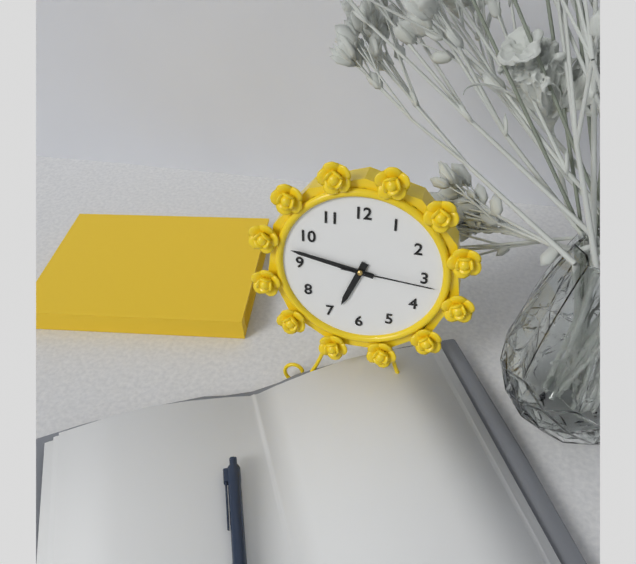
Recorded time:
{"hour": 6, "minute": 47, "second": 16}
